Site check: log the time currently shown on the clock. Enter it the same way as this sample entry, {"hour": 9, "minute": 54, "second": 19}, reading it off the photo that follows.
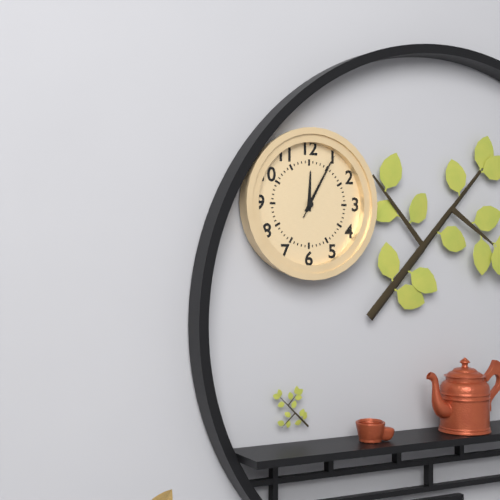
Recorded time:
{"hour": 12, "minute": 5, "second": 5}
